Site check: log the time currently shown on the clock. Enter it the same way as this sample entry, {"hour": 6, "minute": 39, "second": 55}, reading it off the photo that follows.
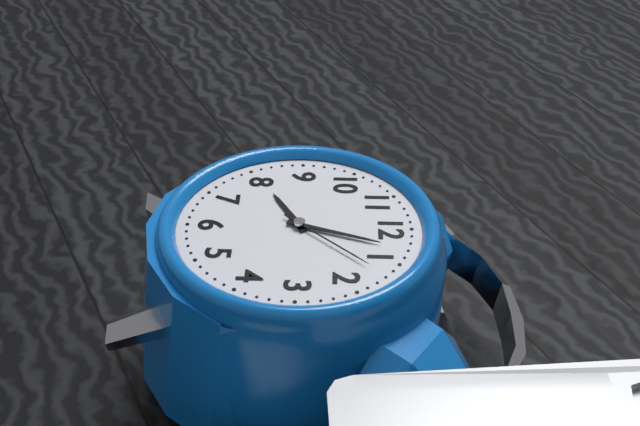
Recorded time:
{"hour": 8, "minute": 3, "second": 7}
